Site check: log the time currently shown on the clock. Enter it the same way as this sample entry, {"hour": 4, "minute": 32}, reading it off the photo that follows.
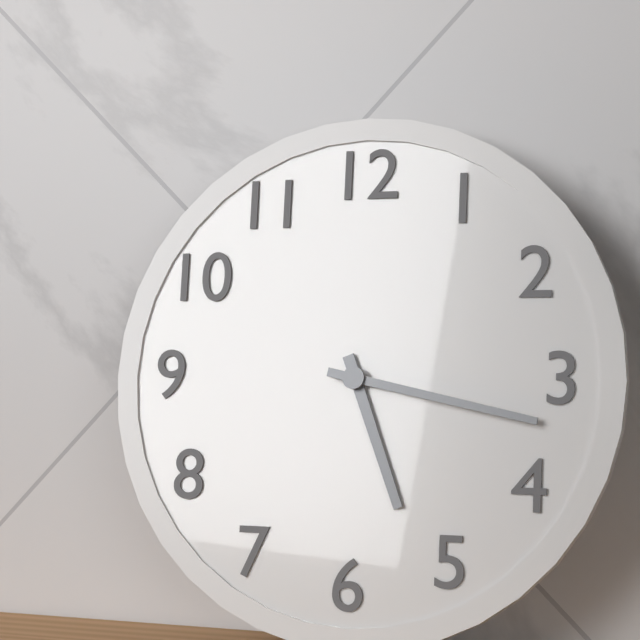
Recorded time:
{"hour": 5, "minute": 17}
